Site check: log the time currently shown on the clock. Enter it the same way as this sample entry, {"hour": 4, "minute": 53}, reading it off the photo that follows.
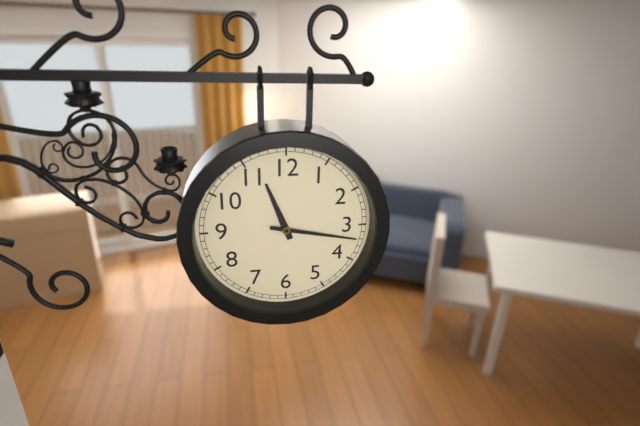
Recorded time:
{"hour": 11, "minute": 17}
